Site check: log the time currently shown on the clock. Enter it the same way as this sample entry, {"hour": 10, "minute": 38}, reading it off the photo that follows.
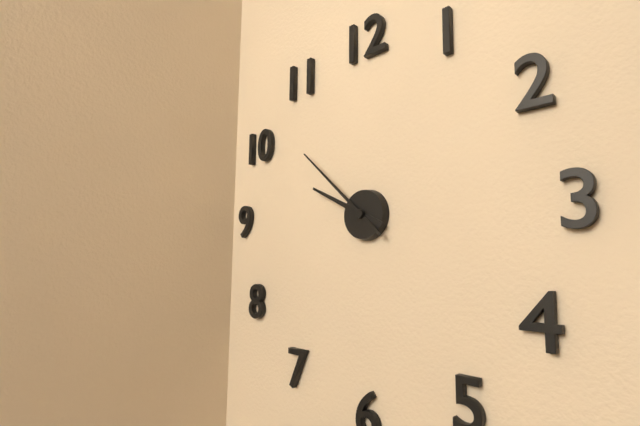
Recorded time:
{"hour": 9, "minute": 52}
